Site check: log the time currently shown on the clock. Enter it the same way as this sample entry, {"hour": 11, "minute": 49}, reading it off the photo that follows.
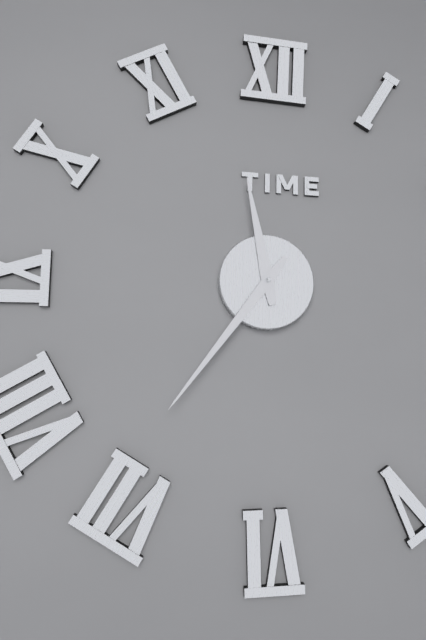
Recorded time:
{"hour": 11, "minute": 36}
